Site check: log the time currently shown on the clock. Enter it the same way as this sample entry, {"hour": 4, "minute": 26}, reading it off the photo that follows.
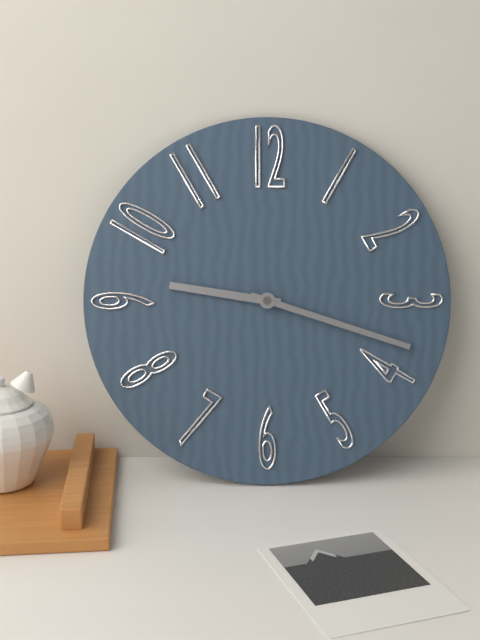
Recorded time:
{"hour": 9, "minute": 18}
